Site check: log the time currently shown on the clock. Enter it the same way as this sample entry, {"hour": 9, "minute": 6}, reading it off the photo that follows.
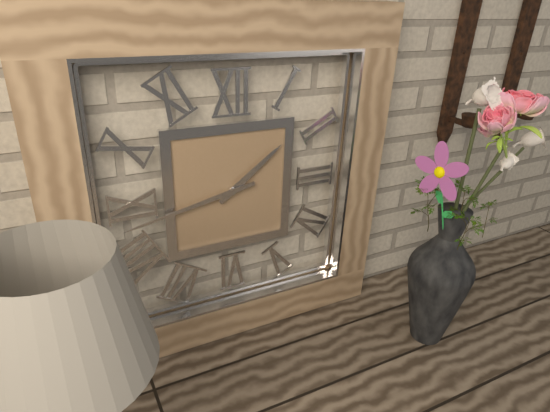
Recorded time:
{"hour": 1, "minute": 43}
